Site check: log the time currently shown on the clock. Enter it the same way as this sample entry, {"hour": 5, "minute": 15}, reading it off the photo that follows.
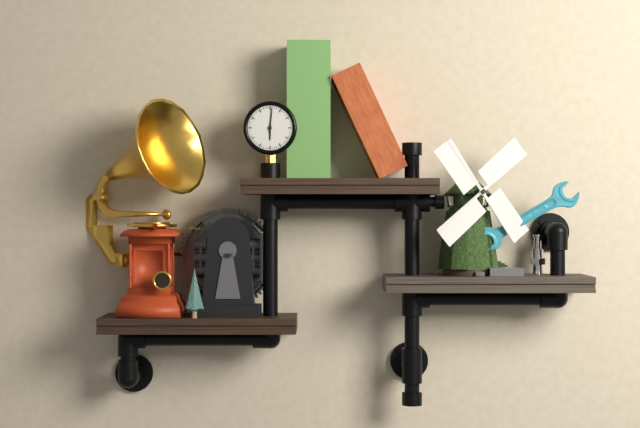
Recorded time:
{"hour": 6, "minute": 1}
